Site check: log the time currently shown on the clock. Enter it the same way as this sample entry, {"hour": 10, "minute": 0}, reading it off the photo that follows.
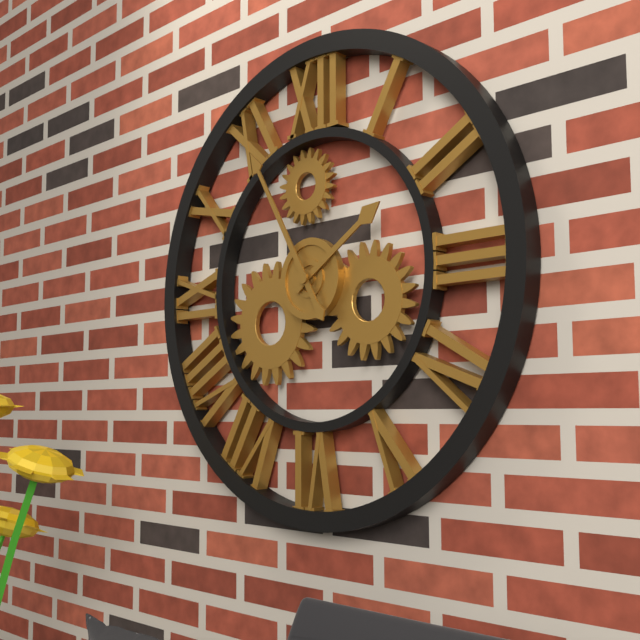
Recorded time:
{"hour": 1, "minute": 55}
